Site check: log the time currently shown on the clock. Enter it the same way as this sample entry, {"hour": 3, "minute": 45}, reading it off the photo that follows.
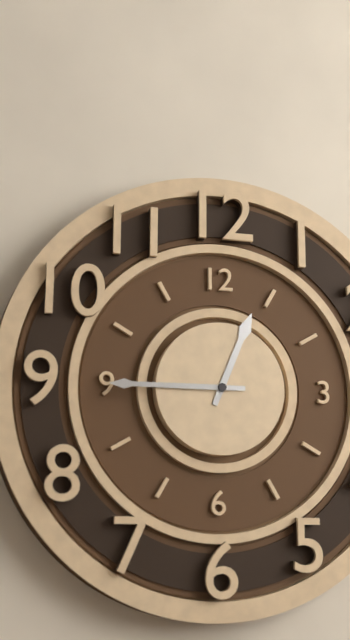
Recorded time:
{"hour": 12, "minute": 45}
